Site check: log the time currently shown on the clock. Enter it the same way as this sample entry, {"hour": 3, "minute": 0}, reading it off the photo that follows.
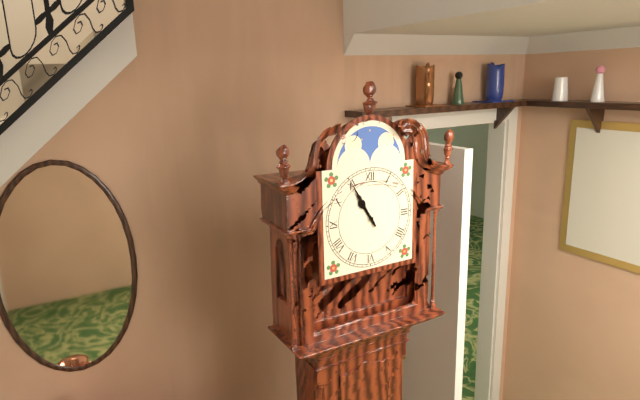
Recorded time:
{"hour": 10, "minute": 55}
